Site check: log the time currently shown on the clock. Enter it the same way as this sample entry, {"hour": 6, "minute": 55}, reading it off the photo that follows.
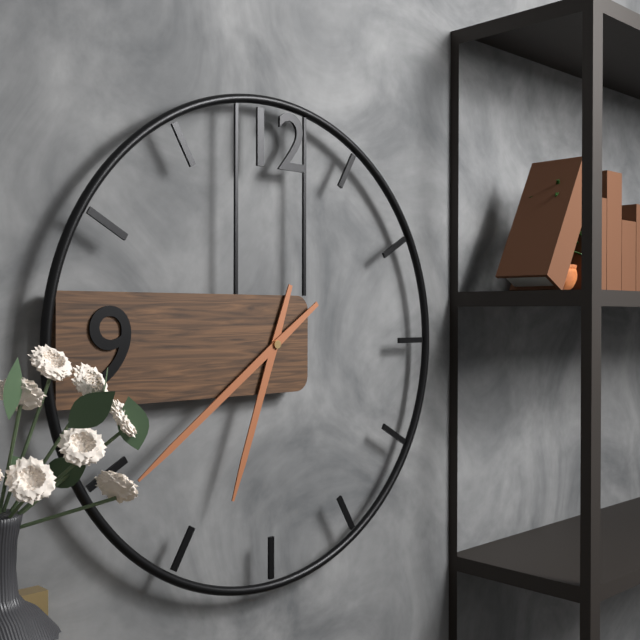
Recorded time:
{"hour": 6, "minute": 39}
